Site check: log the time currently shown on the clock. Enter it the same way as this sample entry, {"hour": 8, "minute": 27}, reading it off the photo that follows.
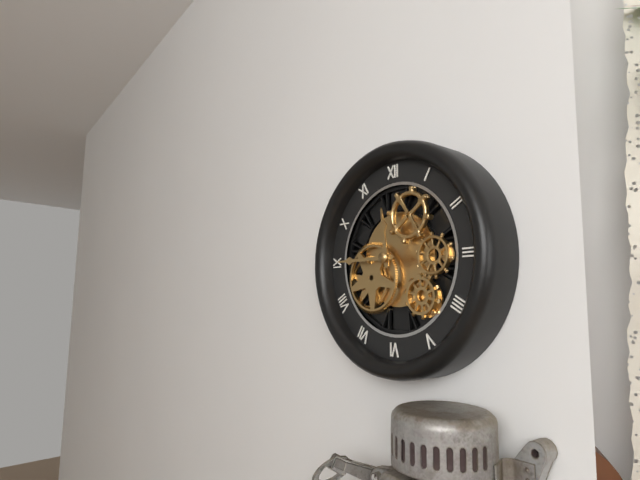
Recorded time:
{"hour": 11, "minute": 45}
